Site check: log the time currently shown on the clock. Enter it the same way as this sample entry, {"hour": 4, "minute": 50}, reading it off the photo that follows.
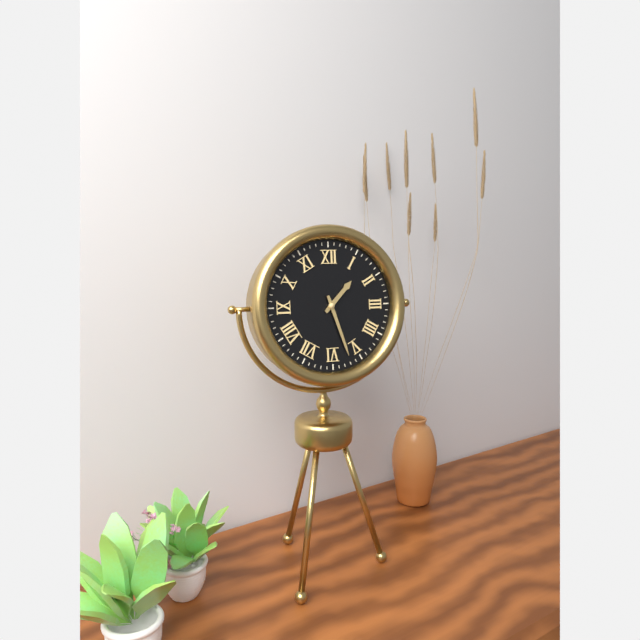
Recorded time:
{"hour": 1, "minute": 27}
